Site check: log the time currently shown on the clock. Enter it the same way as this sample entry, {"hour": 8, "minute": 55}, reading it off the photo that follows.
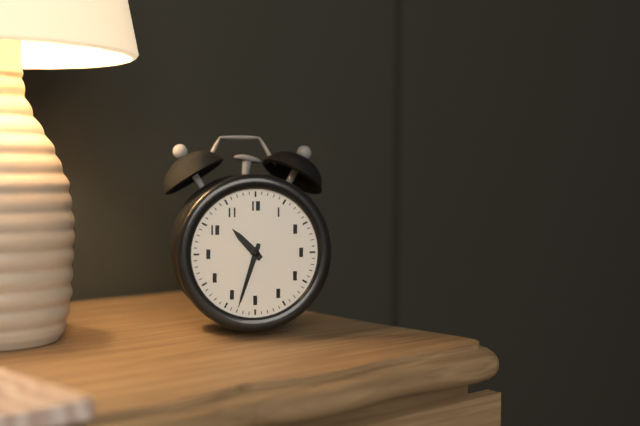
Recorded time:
{"hour": 10, "minute": 33}
